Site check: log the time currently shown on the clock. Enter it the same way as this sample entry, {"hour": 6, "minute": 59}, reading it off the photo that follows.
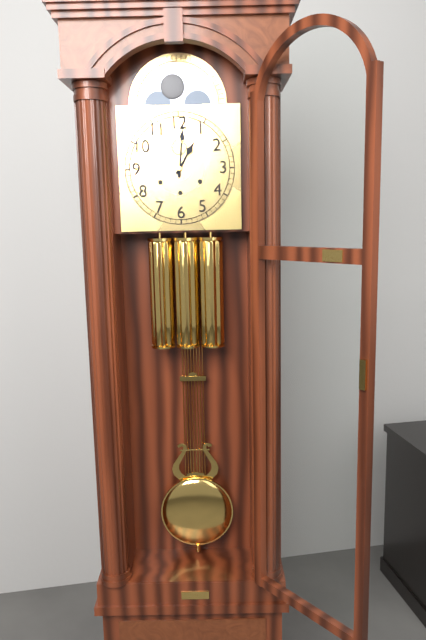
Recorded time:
{"hour": 1, "minute": 1}
